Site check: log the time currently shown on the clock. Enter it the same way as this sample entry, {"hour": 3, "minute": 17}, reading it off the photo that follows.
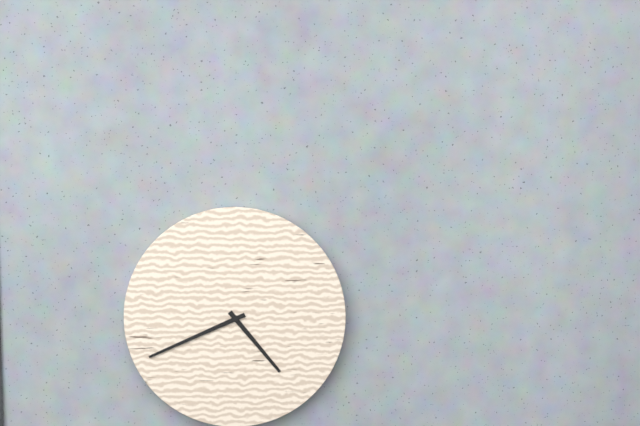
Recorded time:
{"hour": 4, "minute": 41}
